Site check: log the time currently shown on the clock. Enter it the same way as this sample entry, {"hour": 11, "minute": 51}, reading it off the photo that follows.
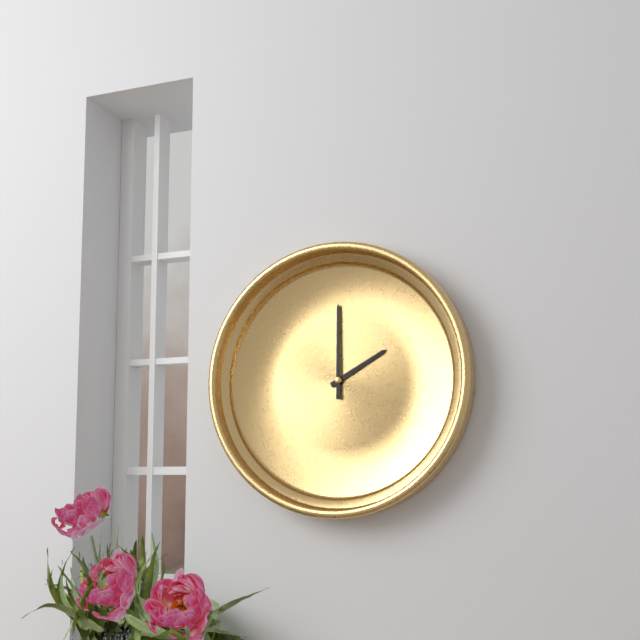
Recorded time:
{"hour": 2, "minute": 0}
